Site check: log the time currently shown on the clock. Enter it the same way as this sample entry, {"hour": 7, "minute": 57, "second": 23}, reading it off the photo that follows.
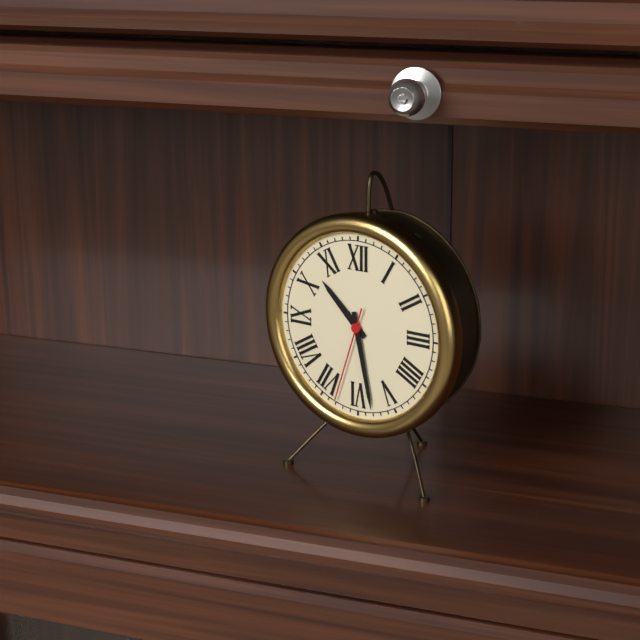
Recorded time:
{"hour": 10, "minute": 28, "second": 33}
